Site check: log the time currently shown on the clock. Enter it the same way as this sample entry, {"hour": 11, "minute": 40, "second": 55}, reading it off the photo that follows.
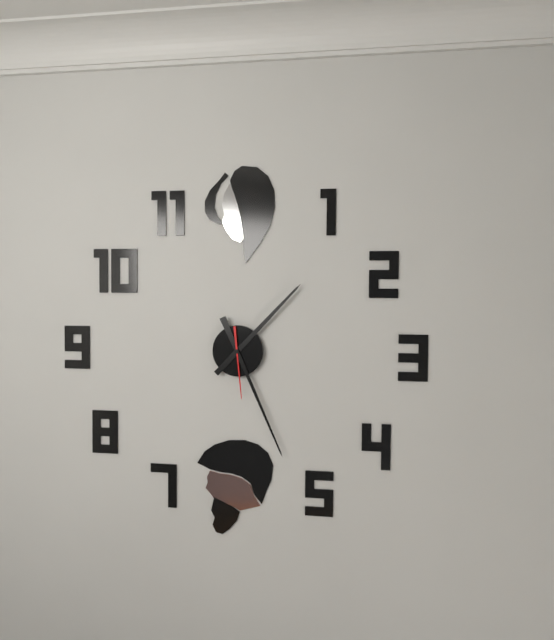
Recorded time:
{"hour": 1, "minute": 26, "second": 29}
